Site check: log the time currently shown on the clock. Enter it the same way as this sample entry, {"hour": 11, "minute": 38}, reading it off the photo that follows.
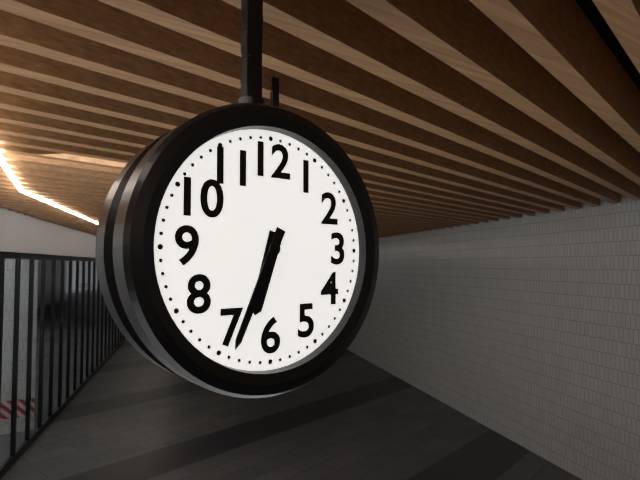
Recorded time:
{"hour": 6, "minute": 34}
